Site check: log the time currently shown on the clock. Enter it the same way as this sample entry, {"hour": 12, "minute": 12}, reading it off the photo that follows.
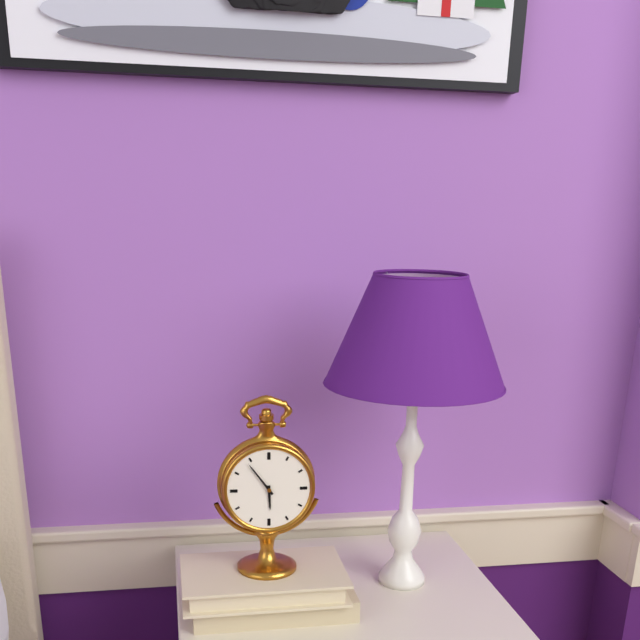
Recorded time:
{"hour": 5, "minute": 54}
